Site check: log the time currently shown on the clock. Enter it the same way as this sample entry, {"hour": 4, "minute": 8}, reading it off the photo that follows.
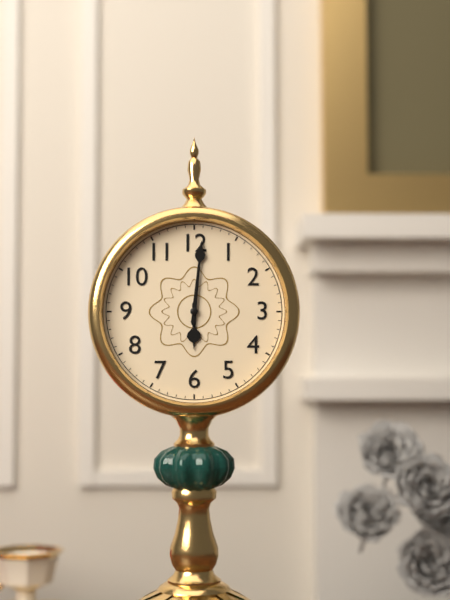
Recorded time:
{"hour": 6, "minute": 1}
